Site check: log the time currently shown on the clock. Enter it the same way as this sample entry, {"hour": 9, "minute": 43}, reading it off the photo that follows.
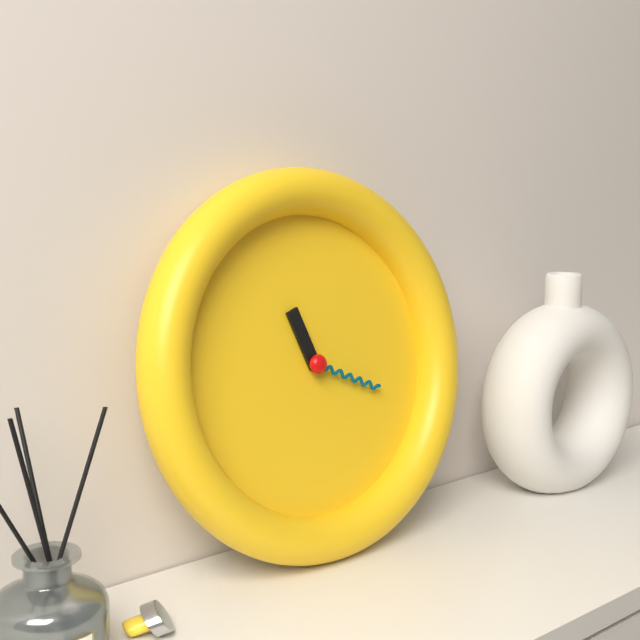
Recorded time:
{"hour": 11, "minute": 19}
